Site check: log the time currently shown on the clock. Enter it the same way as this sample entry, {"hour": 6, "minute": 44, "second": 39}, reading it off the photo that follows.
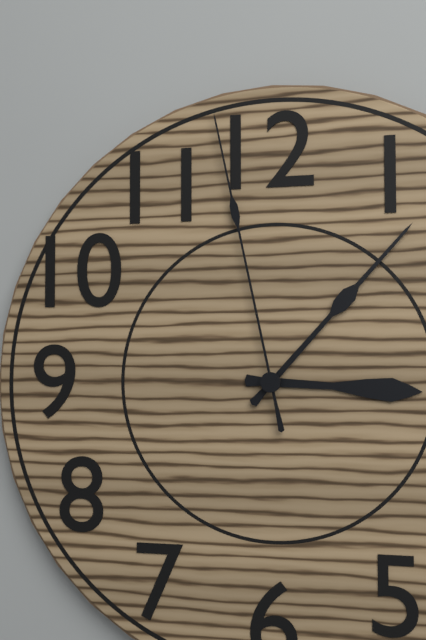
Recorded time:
{"hour": 3, "minute": 7, "second": 58}
